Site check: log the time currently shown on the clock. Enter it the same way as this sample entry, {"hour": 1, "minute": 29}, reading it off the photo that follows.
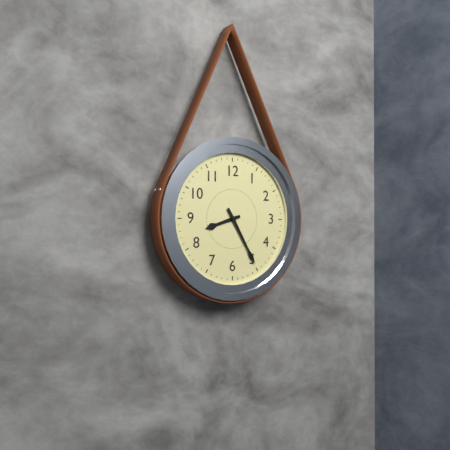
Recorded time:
{"hour": 8, "minute": 25}
